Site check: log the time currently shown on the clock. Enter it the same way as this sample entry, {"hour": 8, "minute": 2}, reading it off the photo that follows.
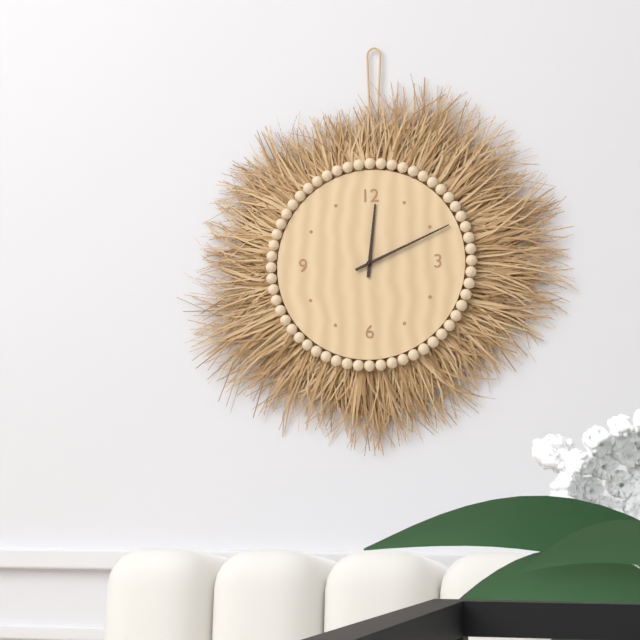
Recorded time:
{"hour": 12, "minute": 11}
